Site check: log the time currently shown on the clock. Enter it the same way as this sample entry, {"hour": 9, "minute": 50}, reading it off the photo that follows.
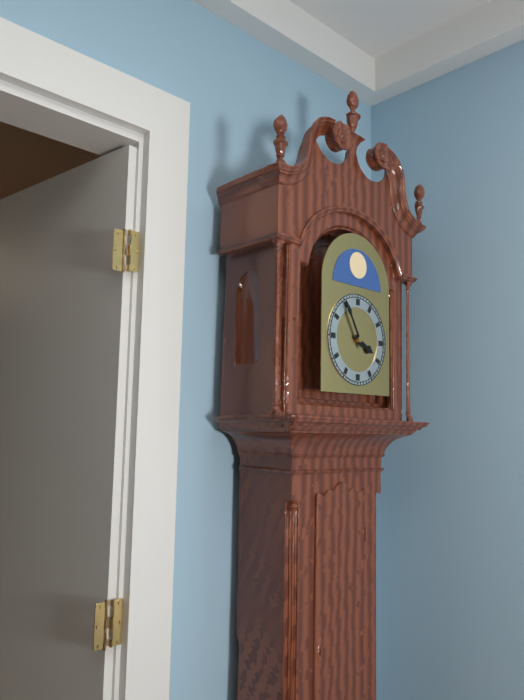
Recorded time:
{"hour": 3, "minute": 55}
